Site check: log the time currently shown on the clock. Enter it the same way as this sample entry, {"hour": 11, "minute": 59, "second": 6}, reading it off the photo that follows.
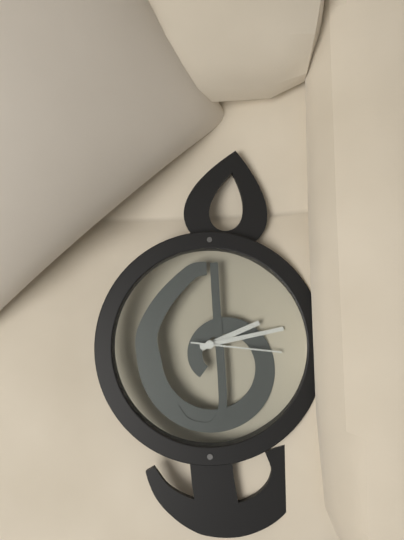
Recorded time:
{"hour": 2, "minute": 13, "second": 16}
